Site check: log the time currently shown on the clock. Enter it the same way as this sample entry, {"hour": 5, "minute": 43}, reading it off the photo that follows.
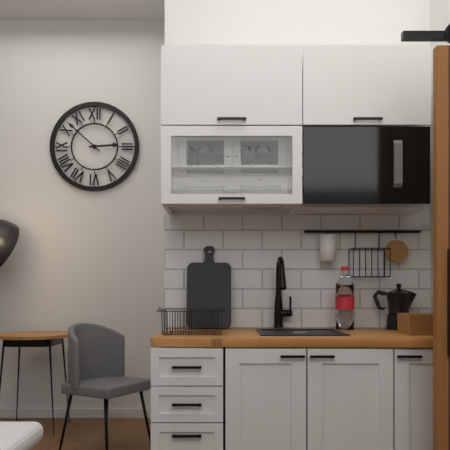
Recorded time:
{"hour": 2, "minute": 52}
